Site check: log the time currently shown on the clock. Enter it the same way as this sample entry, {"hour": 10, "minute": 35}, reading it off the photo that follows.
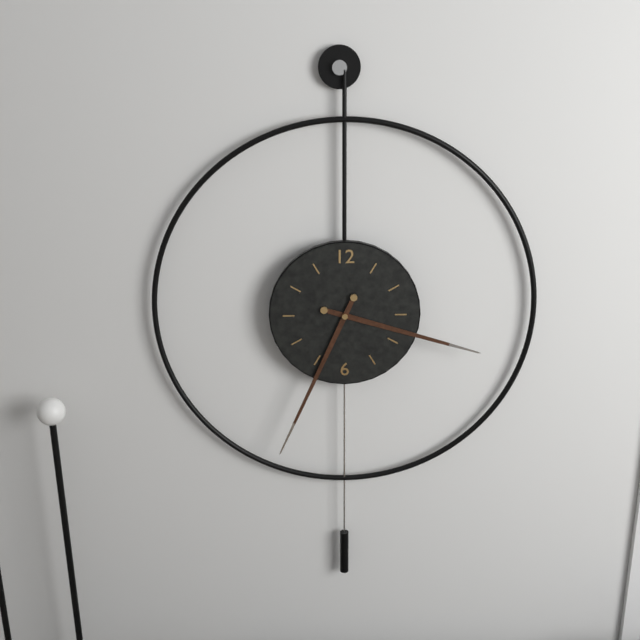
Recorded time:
{"hour": 3, "minute": 34}
